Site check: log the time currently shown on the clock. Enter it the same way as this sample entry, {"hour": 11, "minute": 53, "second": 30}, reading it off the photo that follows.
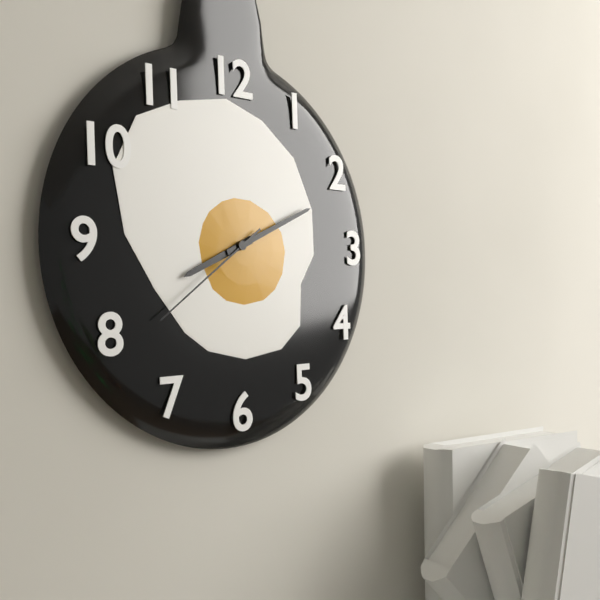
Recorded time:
{"hour": 8, "minute": 11, "second": 39}
